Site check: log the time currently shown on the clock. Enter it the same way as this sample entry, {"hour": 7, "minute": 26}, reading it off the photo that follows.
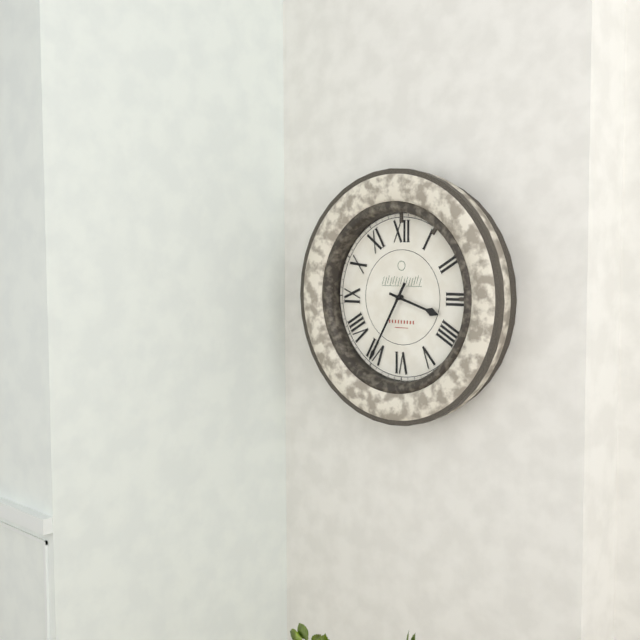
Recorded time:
{"hour": 3, "minute": 35}
